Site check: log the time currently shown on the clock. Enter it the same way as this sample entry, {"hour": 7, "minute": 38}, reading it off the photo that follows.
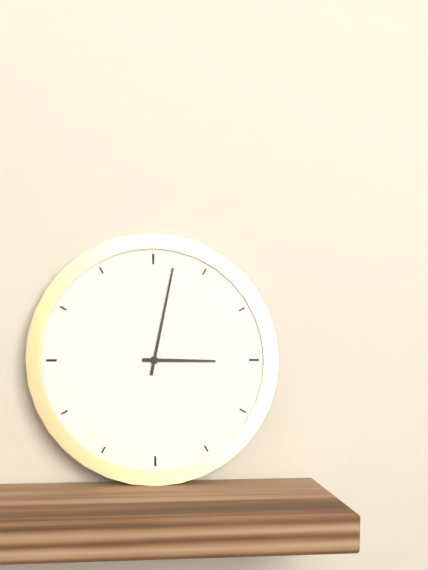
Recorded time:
{"hour": 3, "minute": 2}
